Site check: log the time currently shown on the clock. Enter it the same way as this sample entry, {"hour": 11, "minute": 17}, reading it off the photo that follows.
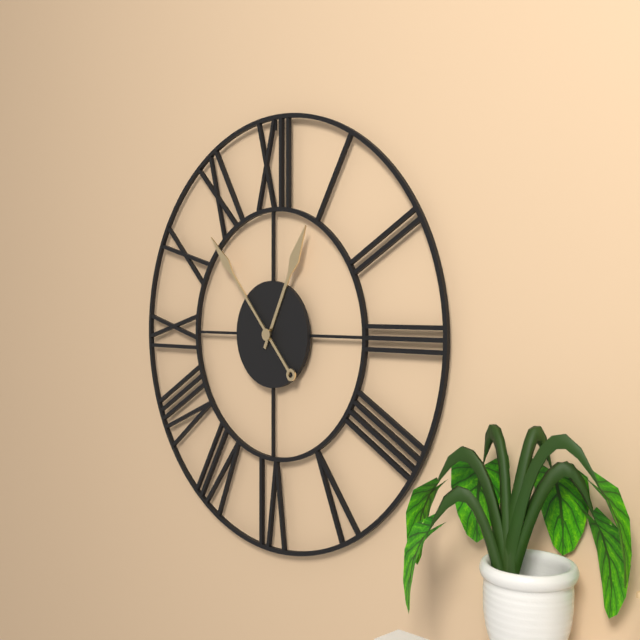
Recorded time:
{"hour": 12, "minute": 53}
